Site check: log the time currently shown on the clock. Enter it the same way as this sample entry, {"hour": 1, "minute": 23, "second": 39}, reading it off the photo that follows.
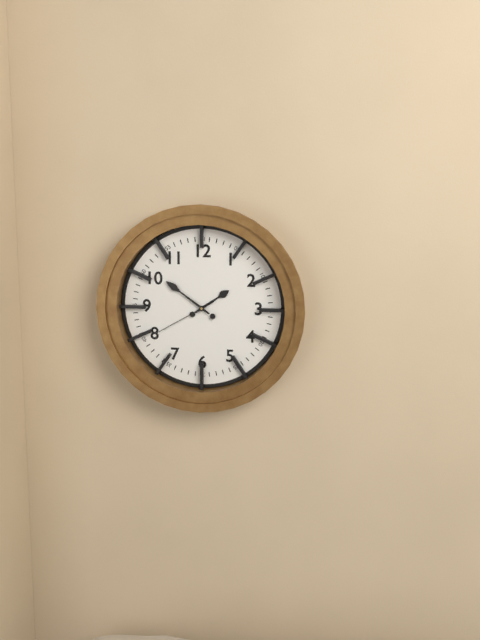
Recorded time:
{"hour": 1, "minute": 51, "second": 40}
